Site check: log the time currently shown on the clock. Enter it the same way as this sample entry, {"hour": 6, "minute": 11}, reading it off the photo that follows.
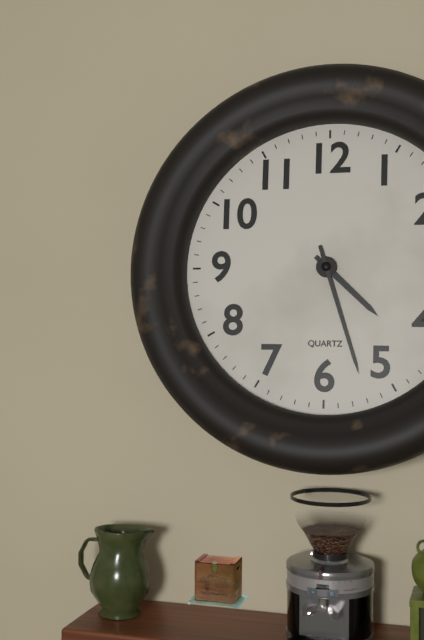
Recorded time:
{"hour": 4, "minute": 27}
